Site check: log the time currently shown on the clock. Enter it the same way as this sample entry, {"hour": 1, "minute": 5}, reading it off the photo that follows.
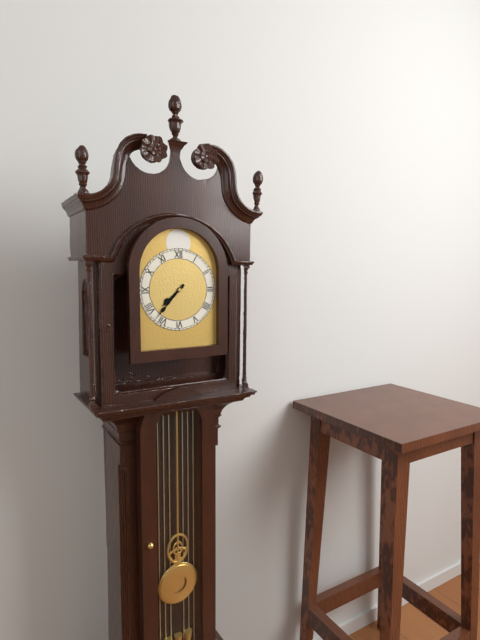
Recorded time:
{"hour": 7, "minute": 37}
